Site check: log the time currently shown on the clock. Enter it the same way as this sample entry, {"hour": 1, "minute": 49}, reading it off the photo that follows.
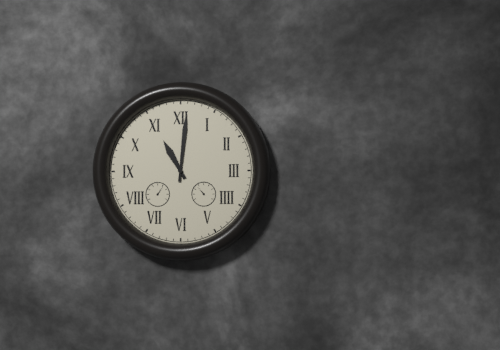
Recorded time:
{"hour": 11, "minute": 1}
